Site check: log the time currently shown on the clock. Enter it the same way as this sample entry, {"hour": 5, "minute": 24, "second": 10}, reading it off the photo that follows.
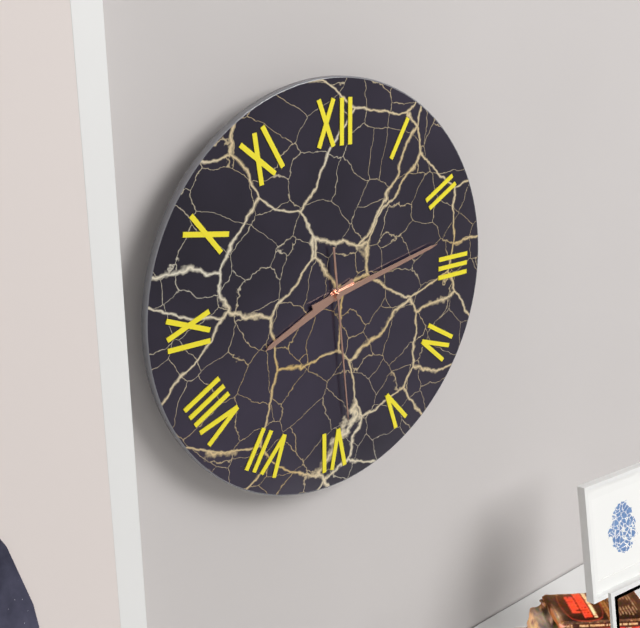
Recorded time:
{"hour": 8, "minute": 13, "second": 29}
